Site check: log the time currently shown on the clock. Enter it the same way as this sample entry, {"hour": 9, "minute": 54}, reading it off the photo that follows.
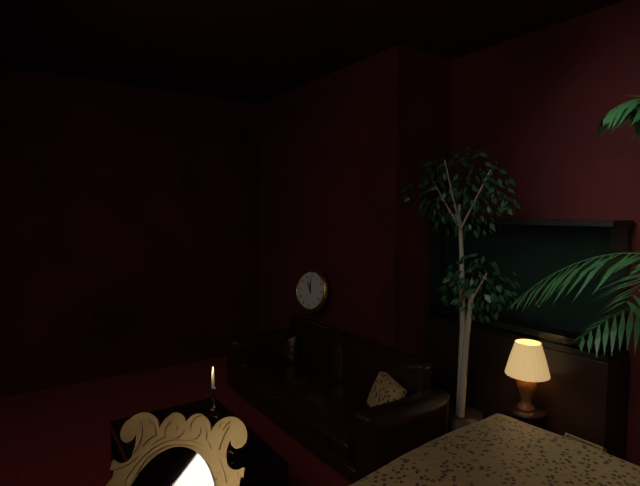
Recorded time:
{"hour": 10, "minute": 59}
